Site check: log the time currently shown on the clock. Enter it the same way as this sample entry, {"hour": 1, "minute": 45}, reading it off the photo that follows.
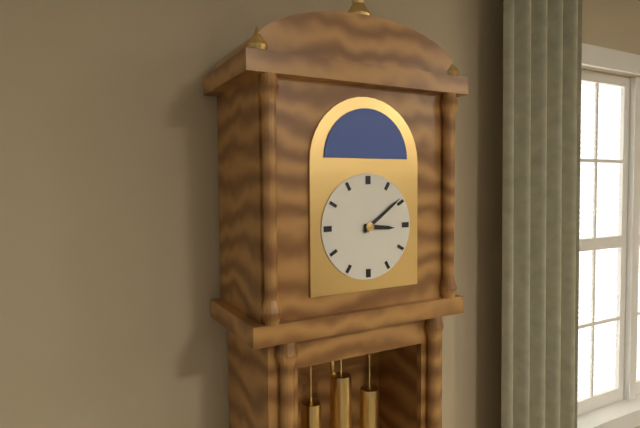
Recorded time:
{"hour": 3, "minute": 9}
